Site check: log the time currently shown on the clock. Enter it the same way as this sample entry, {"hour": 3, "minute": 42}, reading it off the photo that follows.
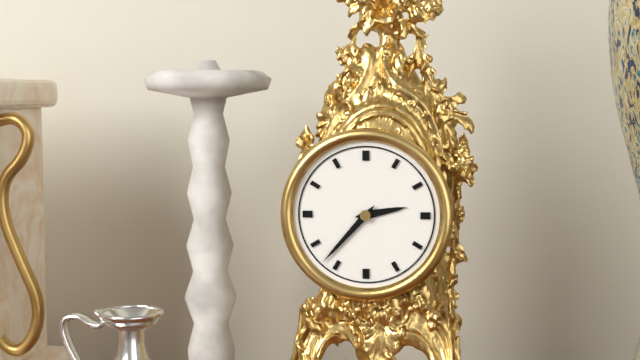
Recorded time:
{"hour": 2, "minute": 37}
